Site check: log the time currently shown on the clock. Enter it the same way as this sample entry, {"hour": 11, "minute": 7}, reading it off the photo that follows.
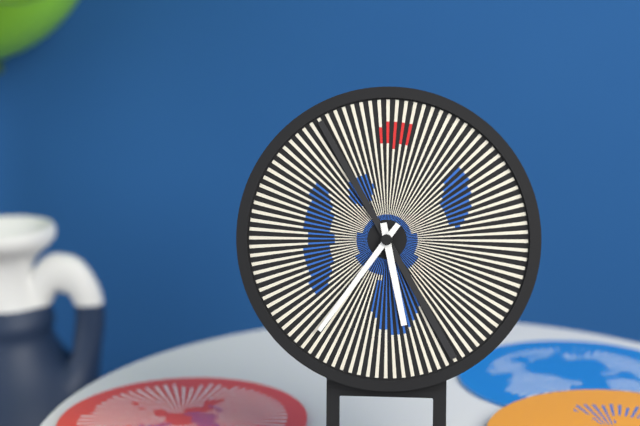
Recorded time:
{"hour": 5, "minute": 36}
